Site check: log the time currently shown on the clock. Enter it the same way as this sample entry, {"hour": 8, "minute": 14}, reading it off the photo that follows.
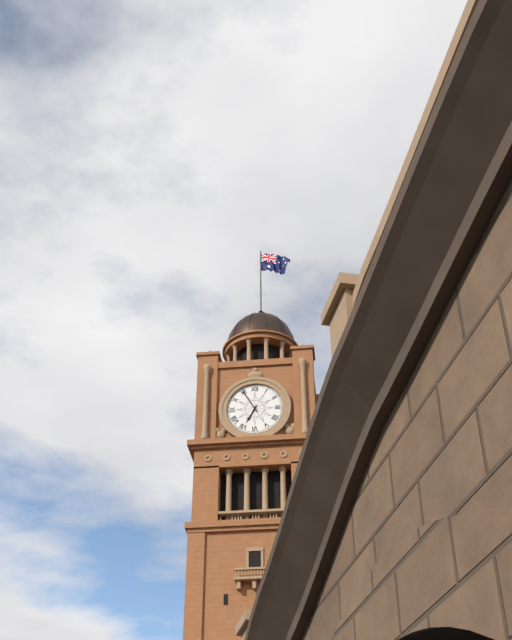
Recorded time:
{"hour": 6, "minute": 55}
